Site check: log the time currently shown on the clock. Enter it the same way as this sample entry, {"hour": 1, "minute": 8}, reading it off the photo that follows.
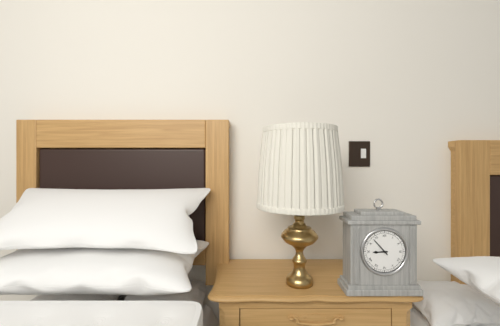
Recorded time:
{"hour": 8, "minute": 53}
